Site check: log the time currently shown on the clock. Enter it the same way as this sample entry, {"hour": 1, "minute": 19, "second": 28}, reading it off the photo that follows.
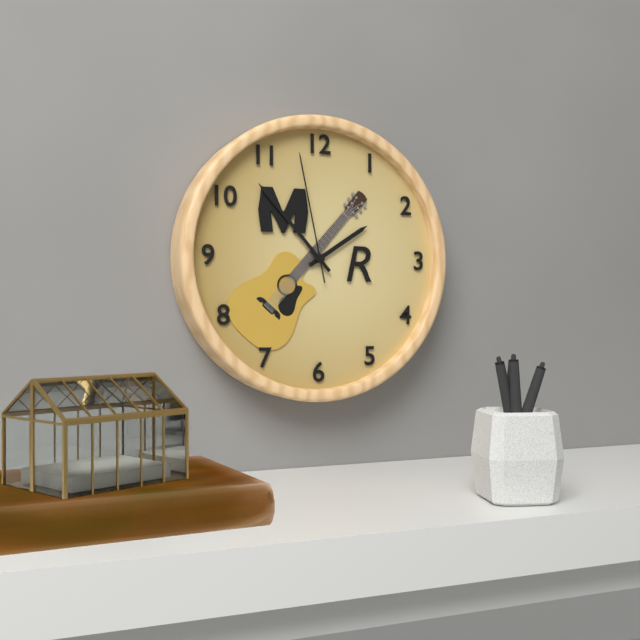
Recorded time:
{"hour": 1, "minute": 53, "second": 58}
